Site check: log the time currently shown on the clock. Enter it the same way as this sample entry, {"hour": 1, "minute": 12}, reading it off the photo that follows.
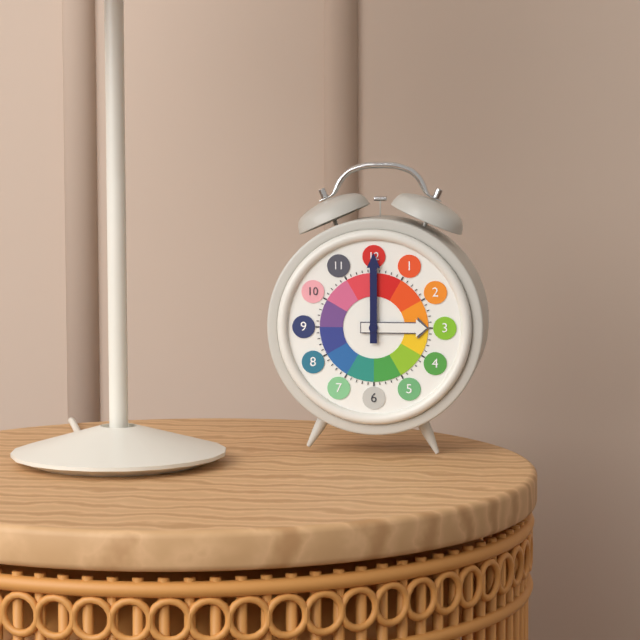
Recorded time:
{"hour": 3, "minute": 0}
